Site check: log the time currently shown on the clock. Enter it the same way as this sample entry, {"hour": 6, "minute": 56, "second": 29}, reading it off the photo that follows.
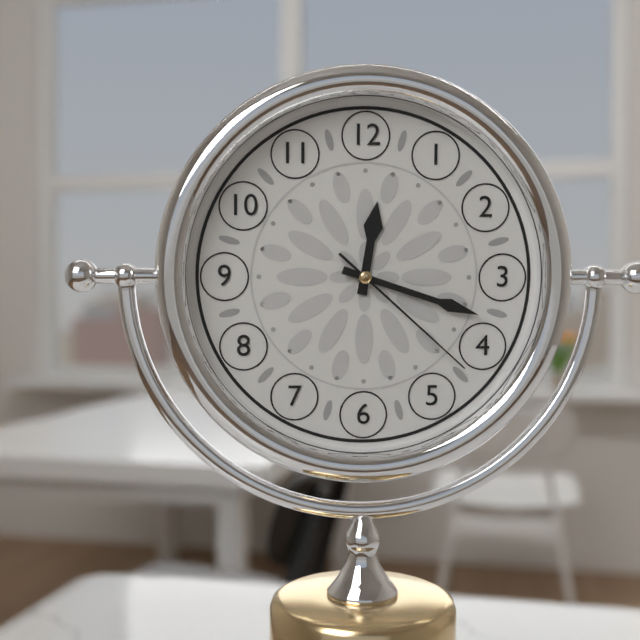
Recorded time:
{"hour": 12, "minute": 18, "second": 22}
